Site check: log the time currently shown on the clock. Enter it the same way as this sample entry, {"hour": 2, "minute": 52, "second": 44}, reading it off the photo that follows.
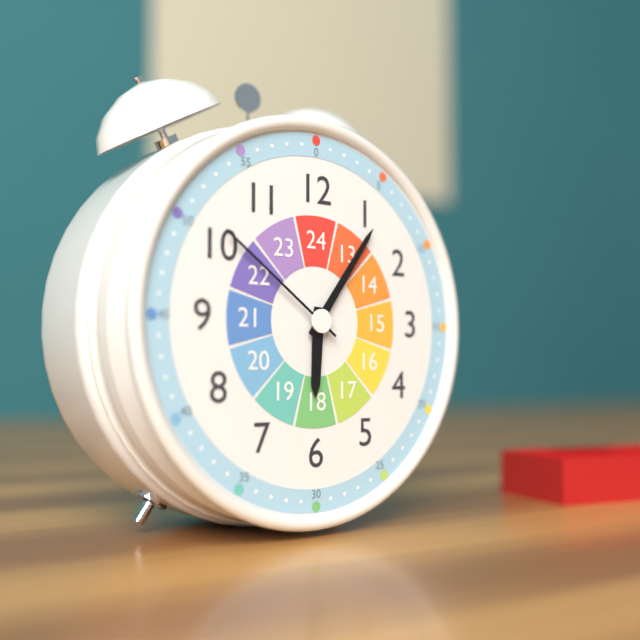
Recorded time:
{"hour": 6, "minute": 6, "second": 51}
